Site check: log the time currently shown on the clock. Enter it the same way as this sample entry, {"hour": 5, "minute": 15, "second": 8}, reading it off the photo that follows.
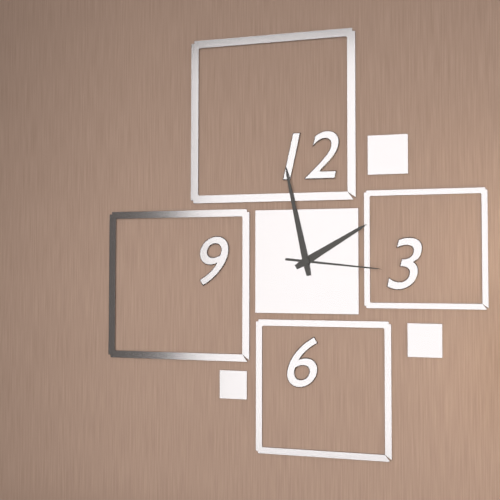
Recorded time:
{"hour": 1, "minute": 58, "second": 16}
